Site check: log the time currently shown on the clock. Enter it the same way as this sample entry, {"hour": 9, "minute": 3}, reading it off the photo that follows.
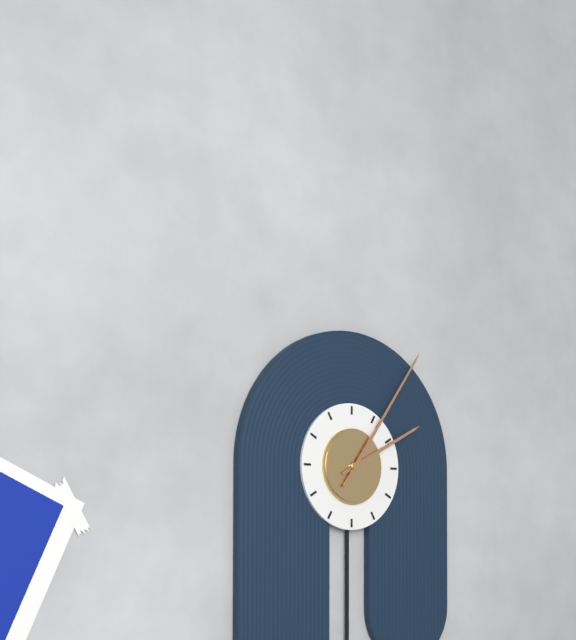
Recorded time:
{"hour": 2, "minute": 6}
